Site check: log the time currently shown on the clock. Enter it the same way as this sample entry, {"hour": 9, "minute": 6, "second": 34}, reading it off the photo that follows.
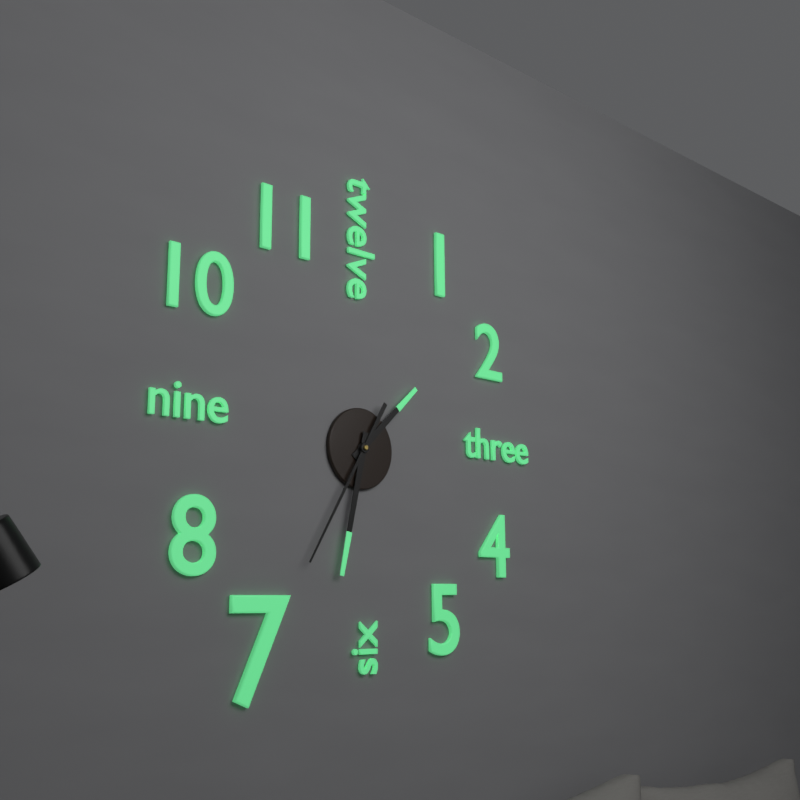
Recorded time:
{"hour": 1, "minute": 32, "second": 35}
